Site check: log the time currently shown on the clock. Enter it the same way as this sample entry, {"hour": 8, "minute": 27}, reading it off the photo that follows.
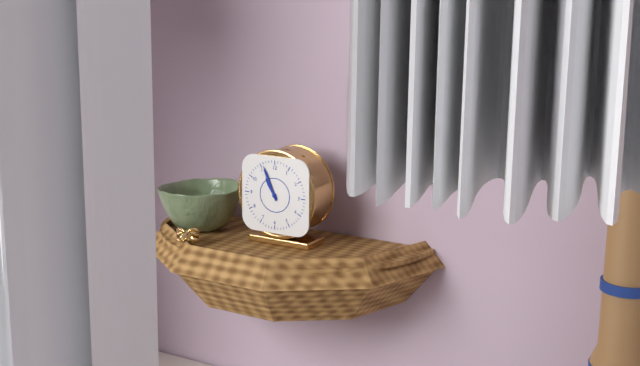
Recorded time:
{"hour": 10, "minute": 56}
